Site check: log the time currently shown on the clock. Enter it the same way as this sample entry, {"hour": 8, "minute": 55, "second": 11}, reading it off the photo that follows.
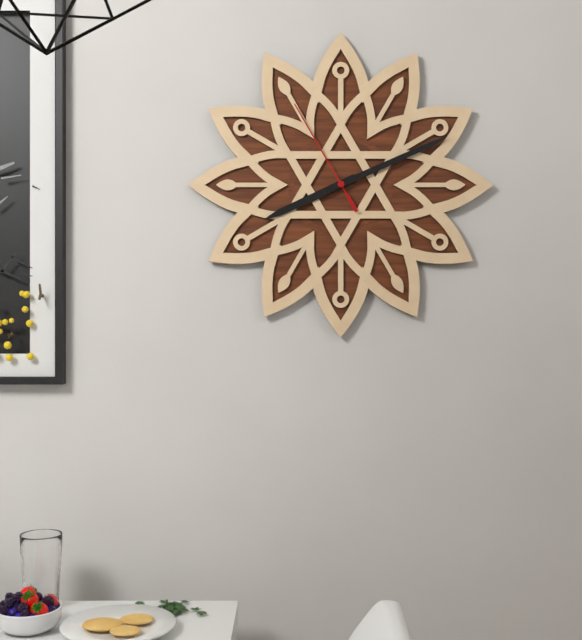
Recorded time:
{"hour": 8, "minute": 11, "second": 55}
